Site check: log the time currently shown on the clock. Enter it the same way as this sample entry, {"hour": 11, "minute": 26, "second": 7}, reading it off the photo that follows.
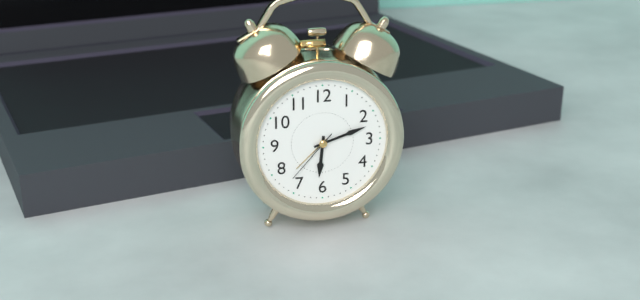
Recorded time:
{"hour": 6, "minute": 12, "second": 37}
